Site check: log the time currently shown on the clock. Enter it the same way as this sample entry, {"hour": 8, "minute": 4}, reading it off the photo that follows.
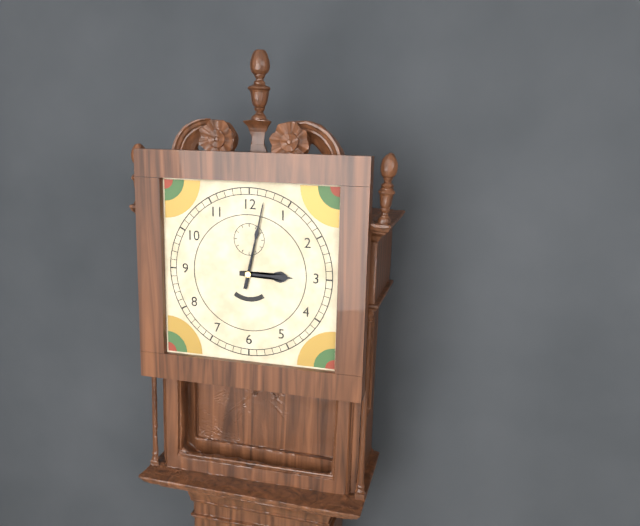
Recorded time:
{"hour": 3, "minute": 2}
